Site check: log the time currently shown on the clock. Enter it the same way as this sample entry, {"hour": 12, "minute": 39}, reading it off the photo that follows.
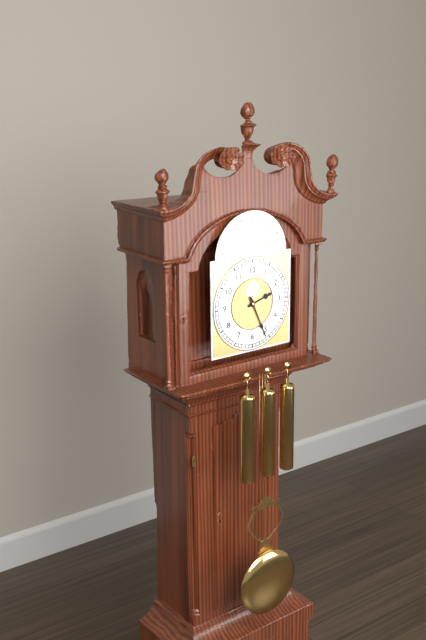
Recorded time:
{"hour": 2, "minute": 26}
